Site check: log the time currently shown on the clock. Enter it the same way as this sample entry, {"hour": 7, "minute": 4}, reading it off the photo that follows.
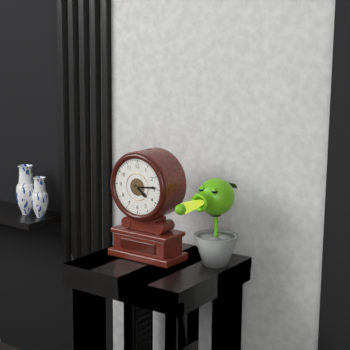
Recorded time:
{"hour": 4, "minute": 14}
